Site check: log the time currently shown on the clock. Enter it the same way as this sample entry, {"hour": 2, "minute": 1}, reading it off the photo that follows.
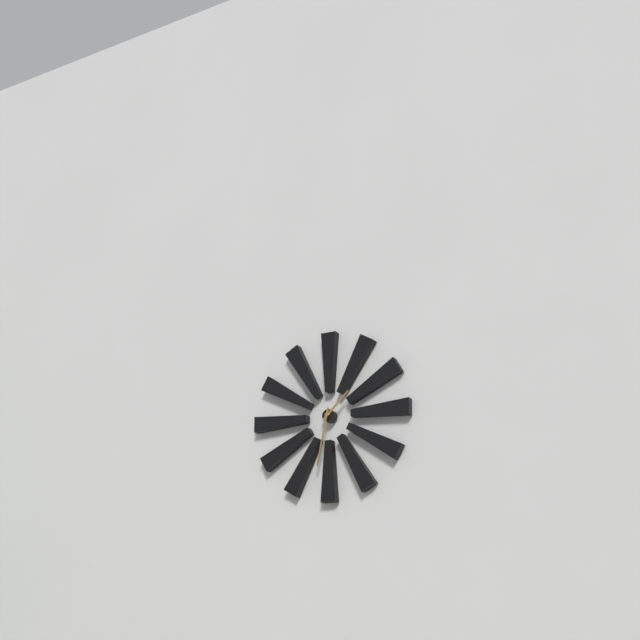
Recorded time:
{"hour": 1, "minute": 32}
